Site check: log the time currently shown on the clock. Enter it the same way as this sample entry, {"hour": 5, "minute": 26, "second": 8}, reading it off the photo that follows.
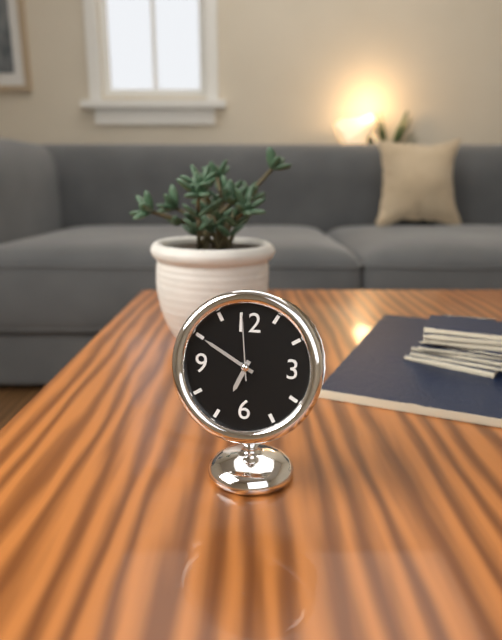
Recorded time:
{"hour": 6, "minute": 50, "second": 59}
